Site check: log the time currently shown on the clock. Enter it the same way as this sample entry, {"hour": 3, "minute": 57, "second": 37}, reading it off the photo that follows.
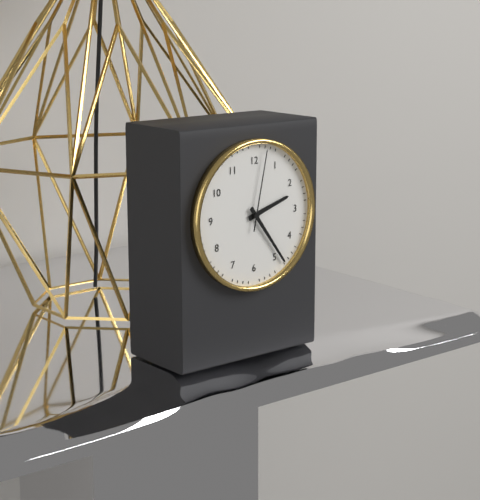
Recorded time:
{"hour": 2, "minute": 24, "second": 2}
